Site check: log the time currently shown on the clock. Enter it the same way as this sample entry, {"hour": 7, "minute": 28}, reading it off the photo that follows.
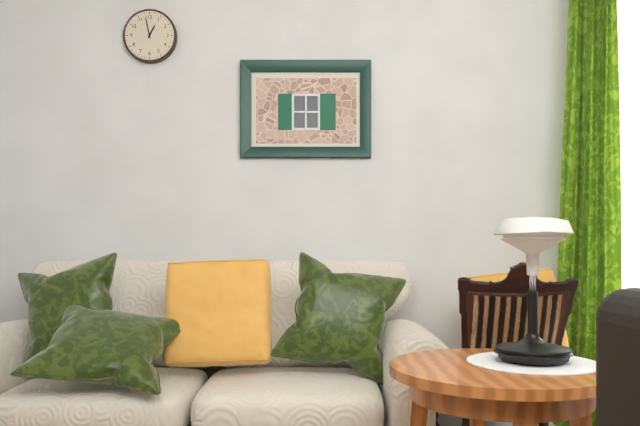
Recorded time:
{"hour": 12, "minute": 58}
